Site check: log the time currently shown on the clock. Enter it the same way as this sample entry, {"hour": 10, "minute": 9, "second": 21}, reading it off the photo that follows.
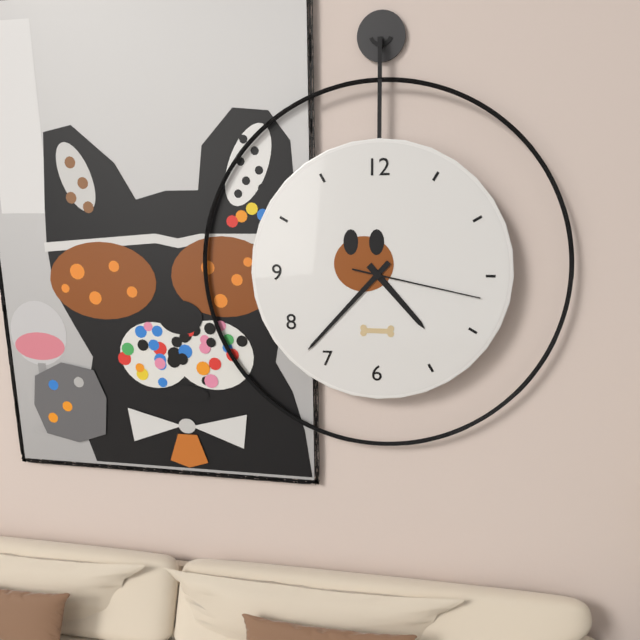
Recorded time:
{"hour": 4, "minute": 37, "second": 17}
